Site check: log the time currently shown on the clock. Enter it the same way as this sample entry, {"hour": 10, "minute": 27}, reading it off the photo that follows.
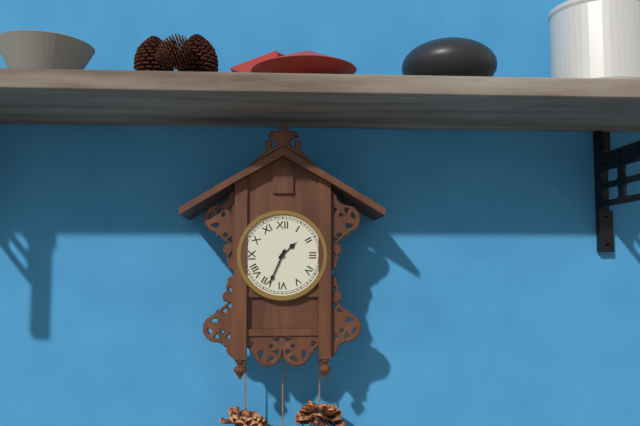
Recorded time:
{"hour": 1, "minute": 34}
